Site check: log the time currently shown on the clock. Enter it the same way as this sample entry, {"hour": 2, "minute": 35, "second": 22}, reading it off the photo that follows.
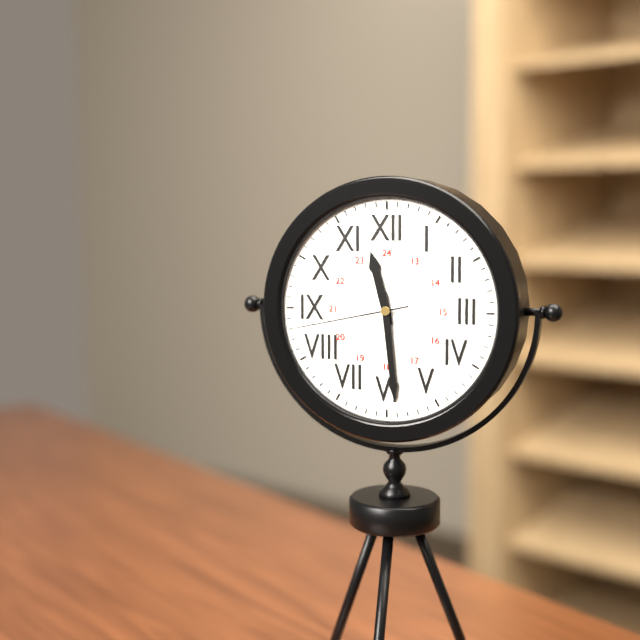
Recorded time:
{"hour": 11, "minute": 29, "second": 43}
